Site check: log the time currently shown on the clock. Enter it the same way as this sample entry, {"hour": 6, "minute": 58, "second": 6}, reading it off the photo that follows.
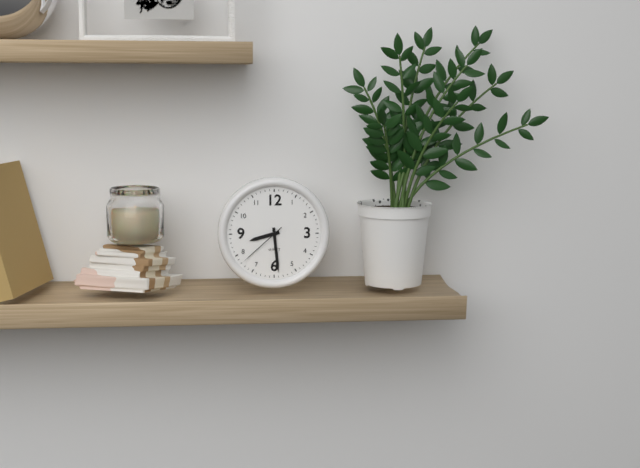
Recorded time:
{"hour": 8, "minute": 29, "second": 38}
